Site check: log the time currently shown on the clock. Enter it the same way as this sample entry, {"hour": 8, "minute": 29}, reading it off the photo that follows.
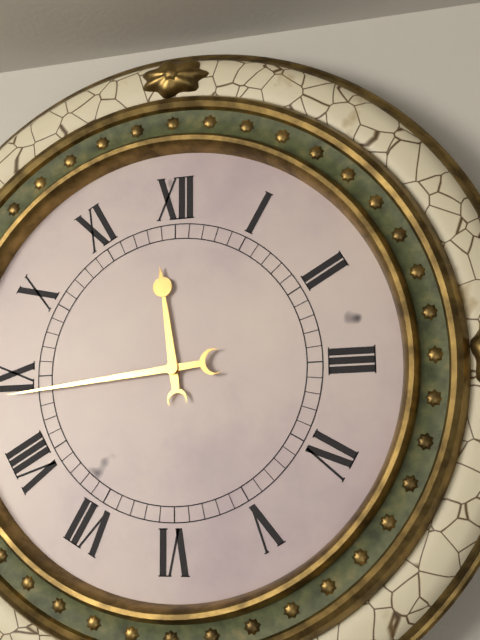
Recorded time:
{"hour": 11, "minute": 44}
